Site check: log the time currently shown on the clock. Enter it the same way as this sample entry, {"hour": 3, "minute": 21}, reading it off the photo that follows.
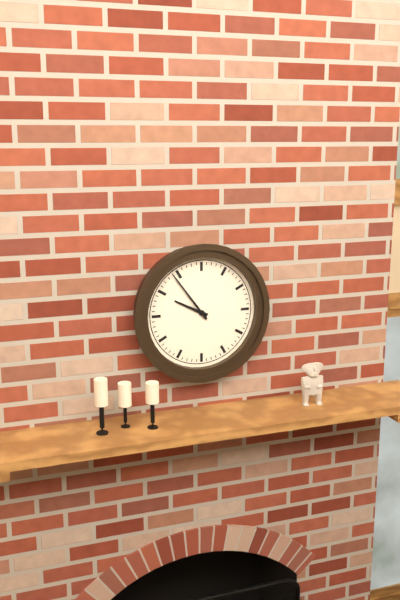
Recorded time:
{"hour": 9, "minute": 54}
